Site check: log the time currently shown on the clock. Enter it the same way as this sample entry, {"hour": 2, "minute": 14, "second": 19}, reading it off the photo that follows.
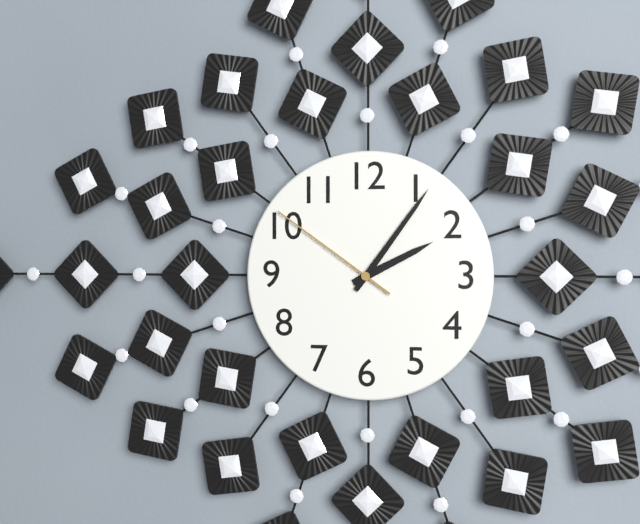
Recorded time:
{"hour": 2, "minute": 6, "second": 51}
